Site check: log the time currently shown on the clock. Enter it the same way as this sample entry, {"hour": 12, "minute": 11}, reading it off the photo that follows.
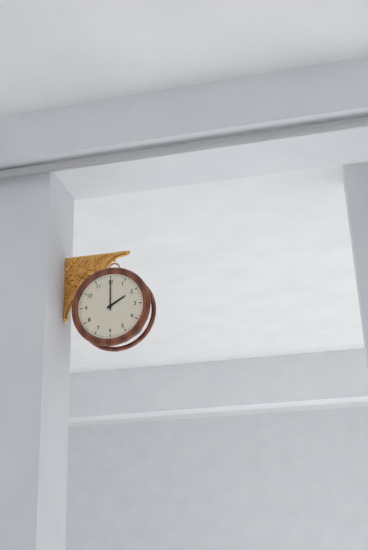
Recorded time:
{"hour": 2, "minute": 0}
